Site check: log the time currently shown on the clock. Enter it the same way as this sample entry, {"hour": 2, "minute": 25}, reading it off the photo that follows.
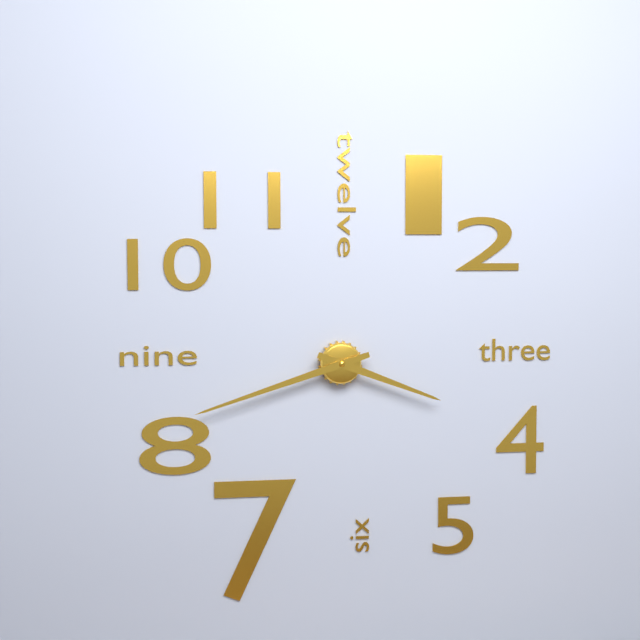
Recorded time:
{"hour": 3, "minute": 42}
